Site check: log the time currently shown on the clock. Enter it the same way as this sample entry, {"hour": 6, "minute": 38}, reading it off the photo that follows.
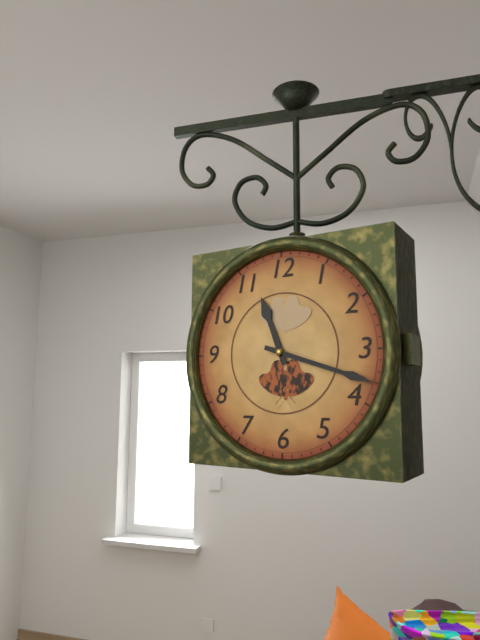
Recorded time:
{"hour": 11, "minute": 18}
